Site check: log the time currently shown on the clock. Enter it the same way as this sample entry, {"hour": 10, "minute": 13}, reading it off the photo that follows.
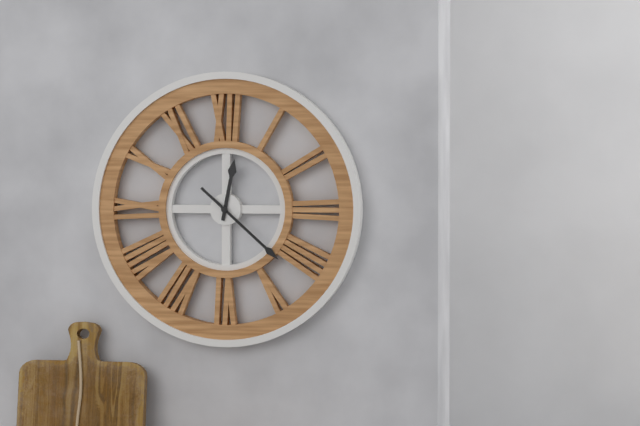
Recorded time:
{"hour": 12, "minute": 22}
